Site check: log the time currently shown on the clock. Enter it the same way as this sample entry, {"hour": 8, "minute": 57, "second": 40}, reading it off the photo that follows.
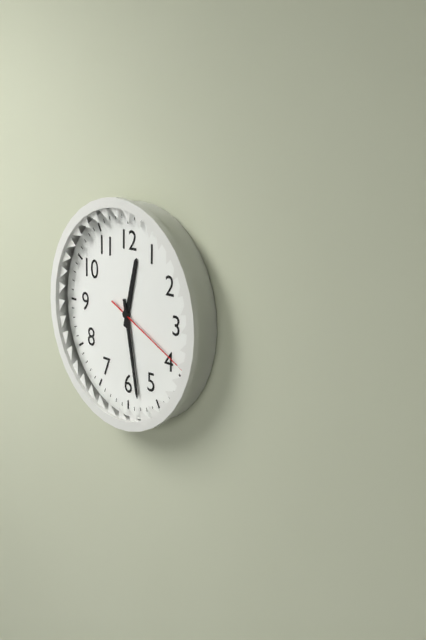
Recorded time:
{"hour": 12, "minute": 28, "second": 19}
